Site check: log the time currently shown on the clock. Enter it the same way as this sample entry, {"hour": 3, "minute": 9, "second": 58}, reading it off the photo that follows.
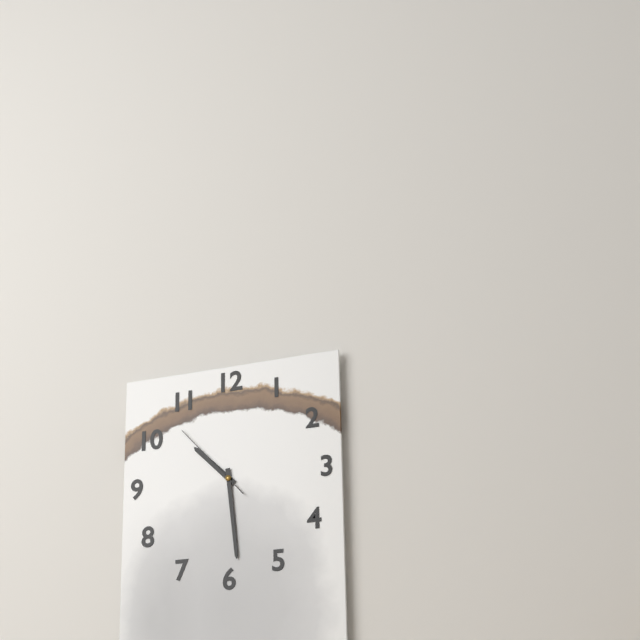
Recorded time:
{"hour": 10, "minute": 29, "second": 53}
